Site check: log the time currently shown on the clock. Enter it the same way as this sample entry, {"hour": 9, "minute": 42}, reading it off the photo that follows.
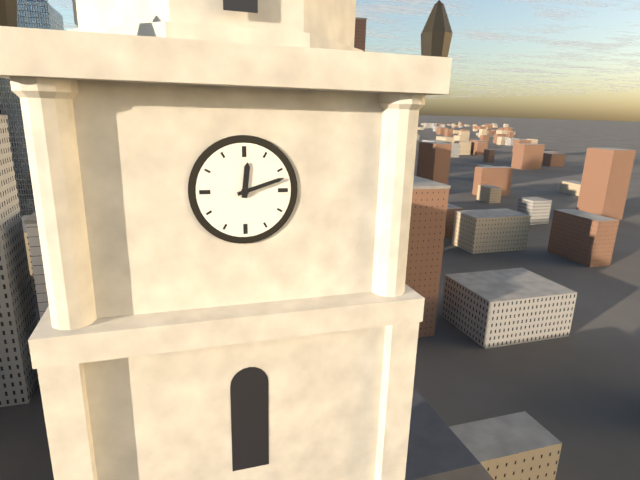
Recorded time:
{"hour": 12, "minute": 12}
